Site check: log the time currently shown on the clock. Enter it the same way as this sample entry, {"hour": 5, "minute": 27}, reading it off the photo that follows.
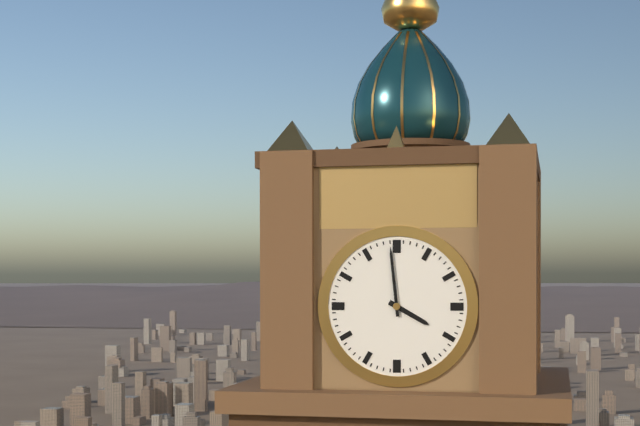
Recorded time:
{"hour": 3, "minute": 59}
